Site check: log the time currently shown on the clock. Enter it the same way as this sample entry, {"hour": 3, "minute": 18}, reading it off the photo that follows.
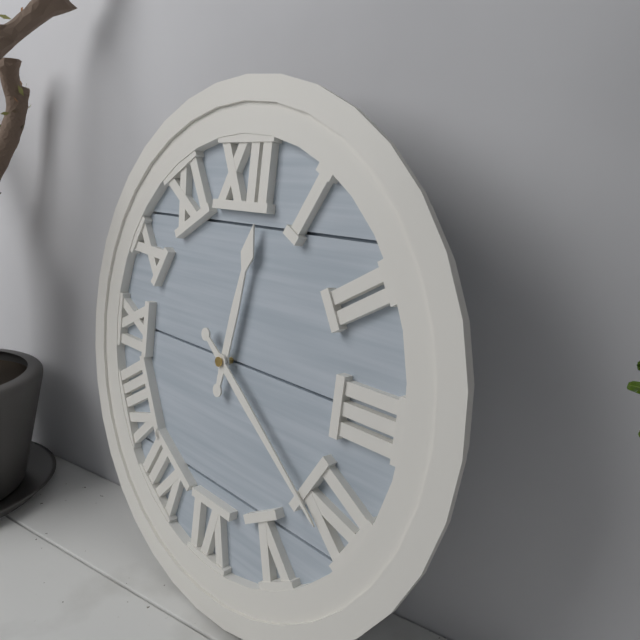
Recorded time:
{"hour": 12, "minute": 21}
